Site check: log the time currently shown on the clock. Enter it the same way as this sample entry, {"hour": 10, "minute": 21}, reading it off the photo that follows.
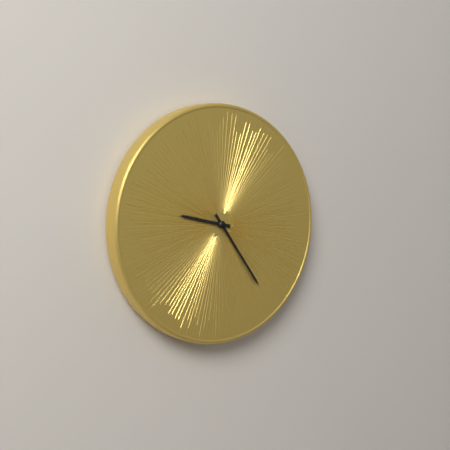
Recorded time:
{"hour": 9, "minute": 24}
